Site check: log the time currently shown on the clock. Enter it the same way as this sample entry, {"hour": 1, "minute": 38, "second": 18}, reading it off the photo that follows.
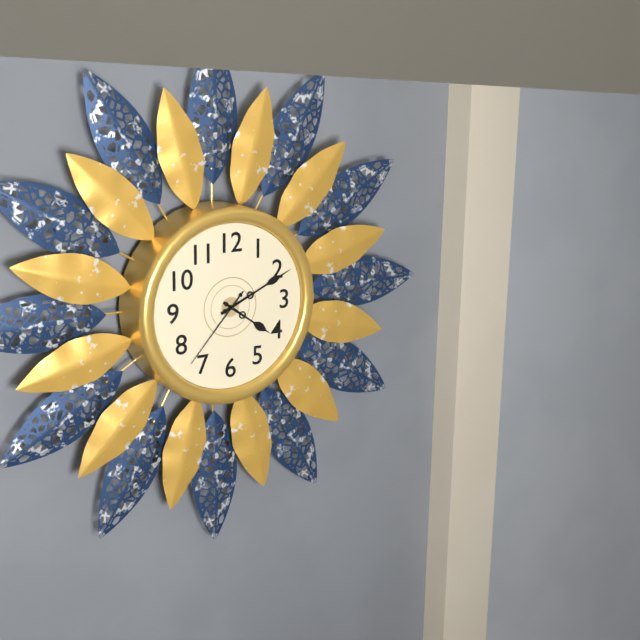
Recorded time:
{"hour": 4, "minute": 11, "second": 37}
